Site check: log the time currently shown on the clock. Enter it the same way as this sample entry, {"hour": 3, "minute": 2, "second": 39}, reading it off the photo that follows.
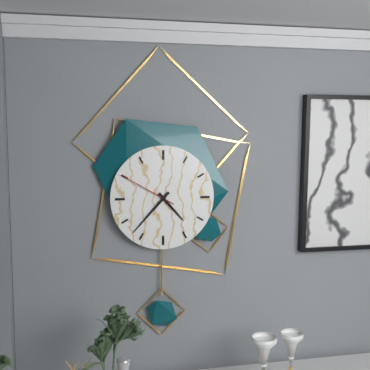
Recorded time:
{"hour": 4, "minute": 37, "second": 50}
